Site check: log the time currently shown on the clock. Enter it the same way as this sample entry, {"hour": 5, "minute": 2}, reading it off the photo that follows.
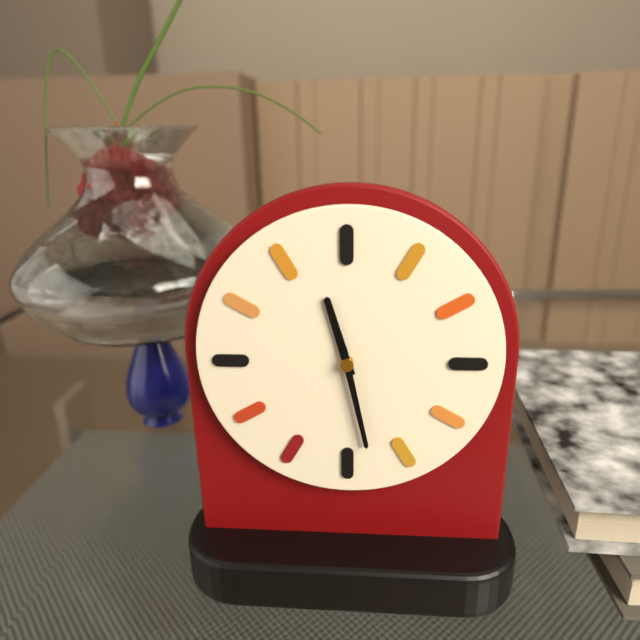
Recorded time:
{"hour": 11, "minute": 28}
